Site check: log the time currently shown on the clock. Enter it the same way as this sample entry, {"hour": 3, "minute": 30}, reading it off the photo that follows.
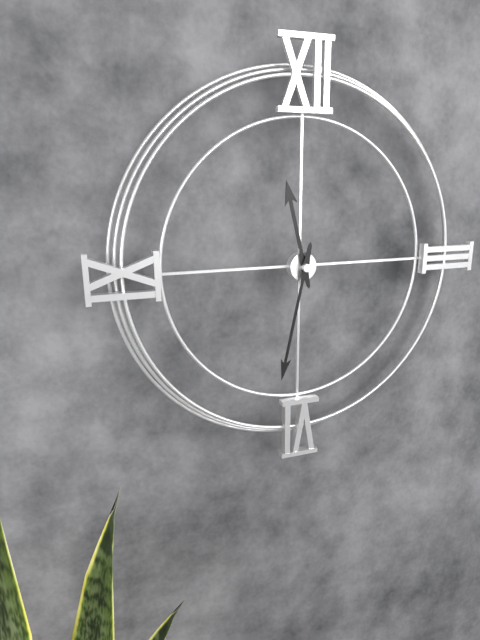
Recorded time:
{"hour": 11, "minute": 32}
